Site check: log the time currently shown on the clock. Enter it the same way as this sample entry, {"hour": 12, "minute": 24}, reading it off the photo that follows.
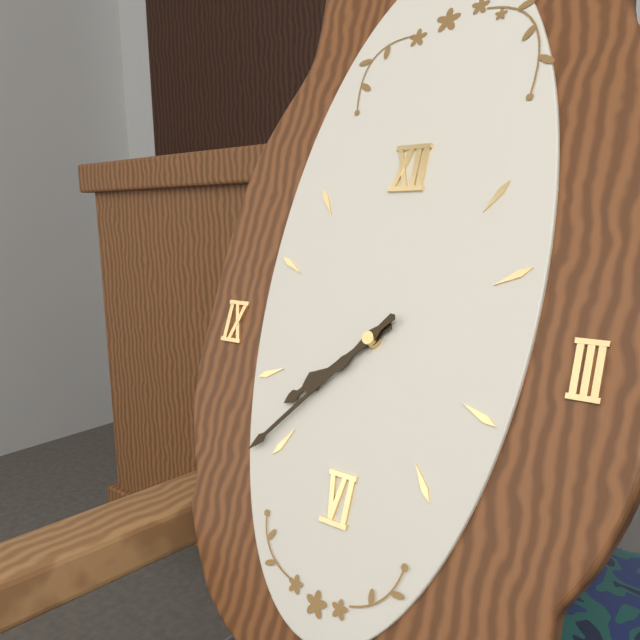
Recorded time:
{"hour": 7, "minute": 37}
